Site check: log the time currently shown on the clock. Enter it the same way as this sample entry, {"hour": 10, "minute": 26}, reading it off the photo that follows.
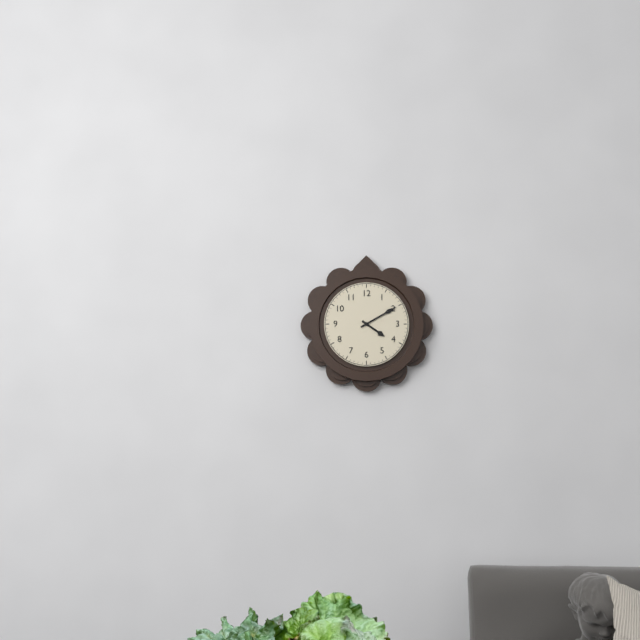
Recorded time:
{"hour": 4, "minute": 10}
